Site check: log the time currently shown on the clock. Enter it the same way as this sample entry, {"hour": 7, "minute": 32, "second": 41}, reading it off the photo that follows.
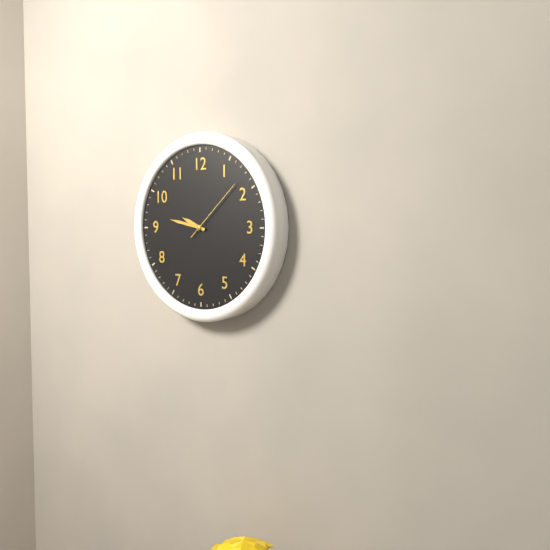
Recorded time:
{"hour": 9, "minute": 47, "second": 8}
